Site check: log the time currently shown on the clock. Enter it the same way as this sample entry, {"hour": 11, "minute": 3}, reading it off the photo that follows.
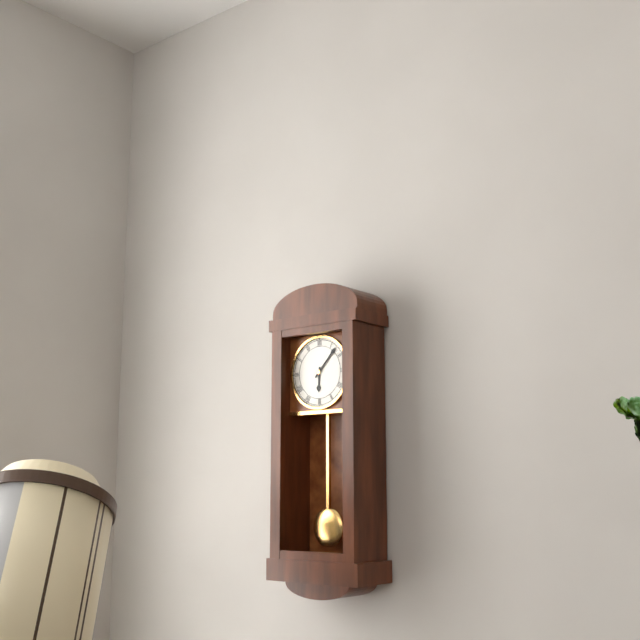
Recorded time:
{"hour": 6, "minute": 7}
